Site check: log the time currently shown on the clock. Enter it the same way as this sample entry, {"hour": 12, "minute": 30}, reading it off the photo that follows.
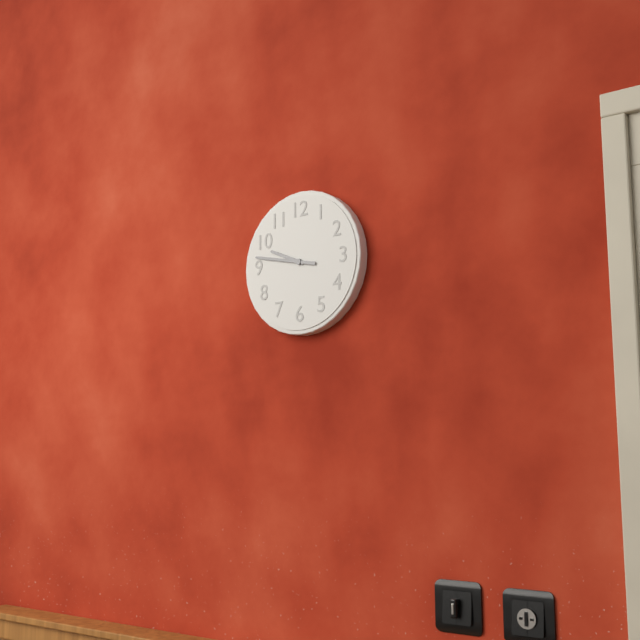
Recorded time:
{"hour": 9, "minute": 47}
